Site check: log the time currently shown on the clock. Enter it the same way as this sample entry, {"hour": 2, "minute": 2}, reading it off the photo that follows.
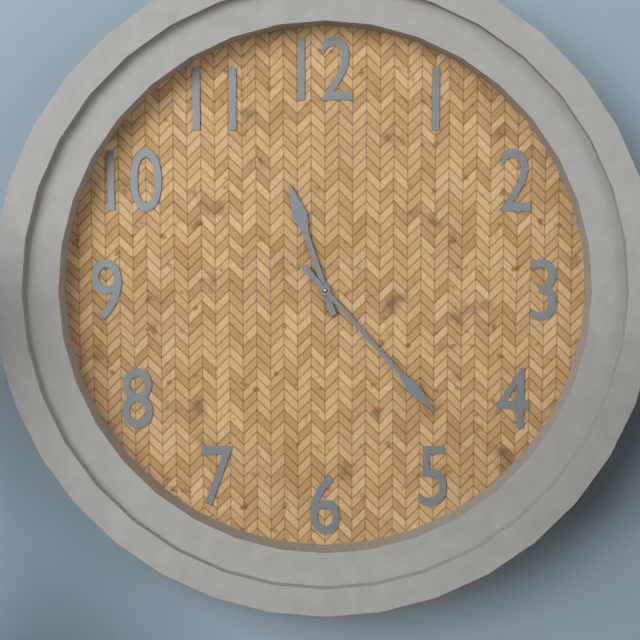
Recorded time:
{"hour": 11, "minute": 23}
